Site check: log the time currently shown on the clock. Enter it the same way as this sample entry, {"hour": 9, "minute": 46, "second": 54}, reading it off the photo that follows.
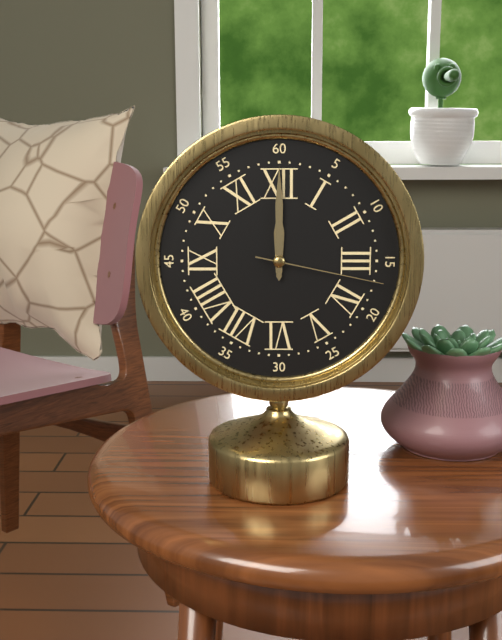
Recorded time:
{"hour": 12, "minute": 0, "second": 17}
